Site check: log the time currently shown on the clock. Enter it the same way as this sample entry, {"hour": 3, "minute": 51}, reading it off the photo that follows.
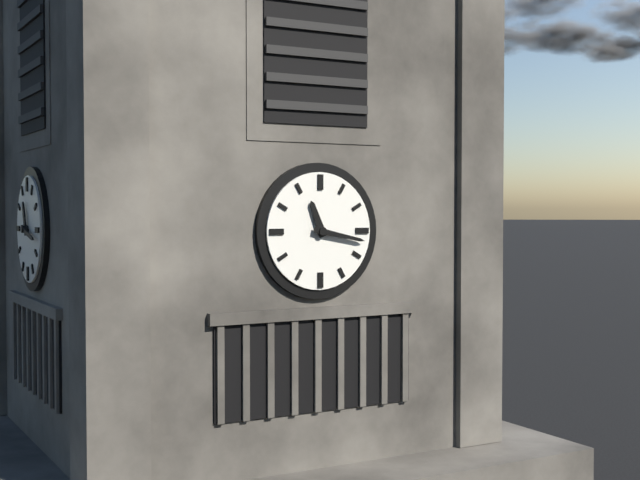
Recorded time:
{"hour": 11, "minute": 17}
